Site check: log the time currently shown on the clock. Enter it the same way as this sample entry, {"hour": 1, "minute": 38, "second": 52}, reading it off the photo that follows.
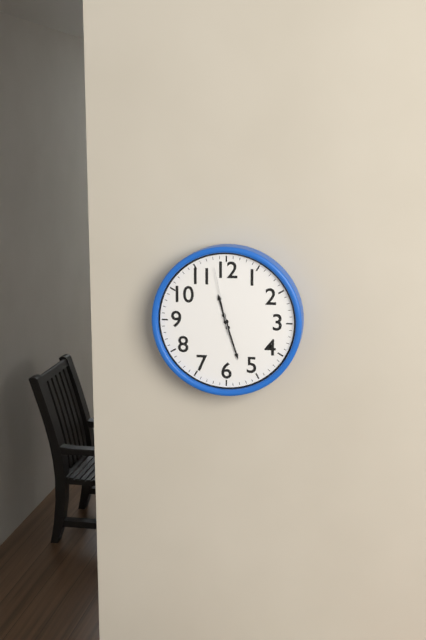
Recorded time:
{"hour": 11, "minute": 27, "second": 58}
